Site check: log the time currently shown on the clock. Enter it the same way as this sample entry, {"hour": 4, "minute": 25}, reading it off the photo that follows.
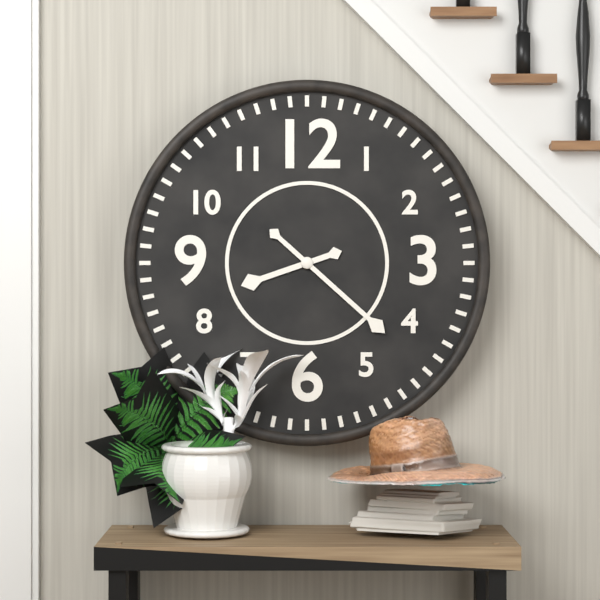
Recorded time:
{"hour": 8, "minute": 22}
